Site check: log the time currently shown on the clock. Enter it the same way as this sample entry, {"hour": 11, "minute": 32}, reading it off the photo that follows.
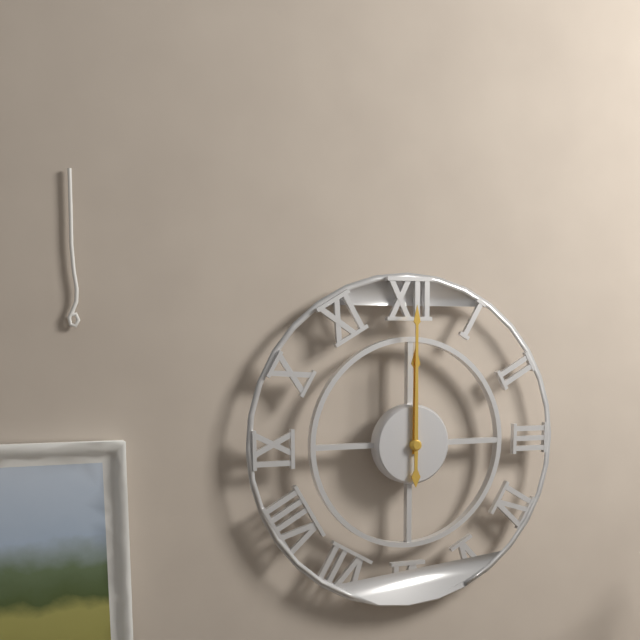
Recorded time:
{"hour": 12, "minute": 0}
